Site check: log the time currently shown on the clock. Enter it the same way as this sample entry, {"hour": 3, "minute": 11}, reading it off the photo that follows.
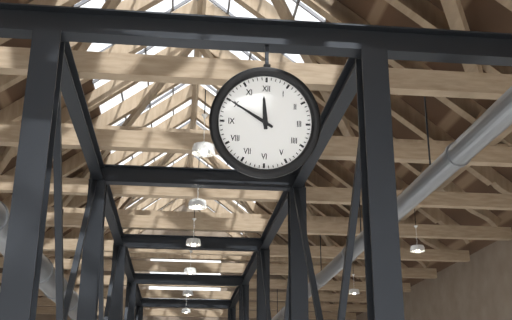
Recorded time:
{"hour": 11, "minute": 50}
